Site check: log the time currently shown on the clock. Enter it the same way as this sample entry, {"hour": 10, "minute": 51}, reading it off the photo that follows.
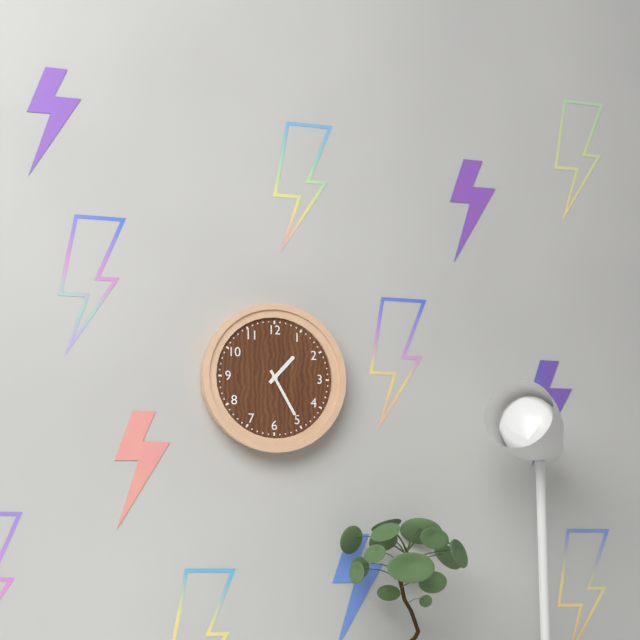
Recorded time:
{"hour": 1, "minute": 25}
